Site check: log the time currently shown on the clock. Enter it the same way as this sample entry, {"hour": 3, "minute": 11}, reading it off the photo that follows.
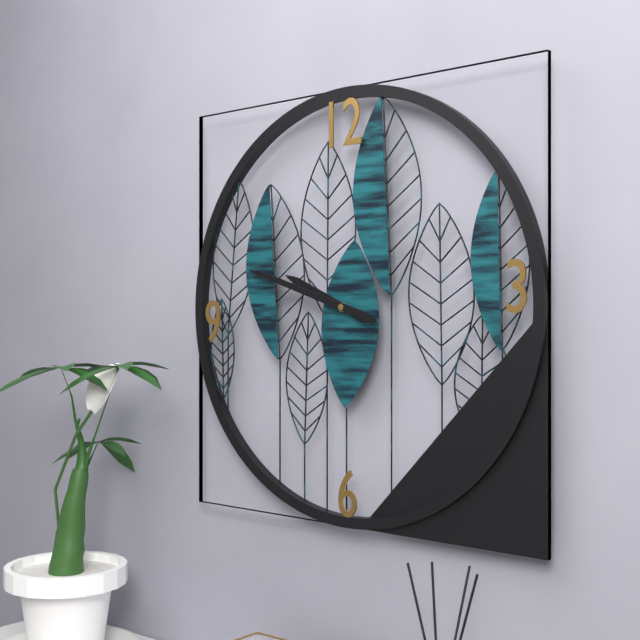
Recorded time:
{"hour": 9, "minute": 48}
